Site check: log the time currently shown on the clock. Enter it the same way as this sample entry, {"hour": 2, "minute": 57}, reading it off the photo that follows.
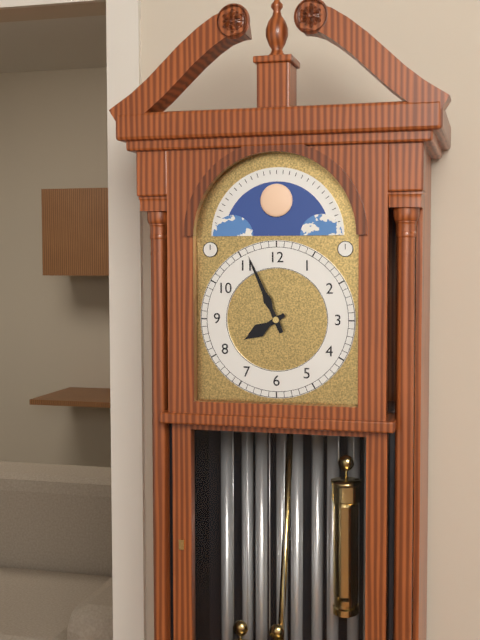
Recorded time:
{"hour": 7, "minute": 56}
